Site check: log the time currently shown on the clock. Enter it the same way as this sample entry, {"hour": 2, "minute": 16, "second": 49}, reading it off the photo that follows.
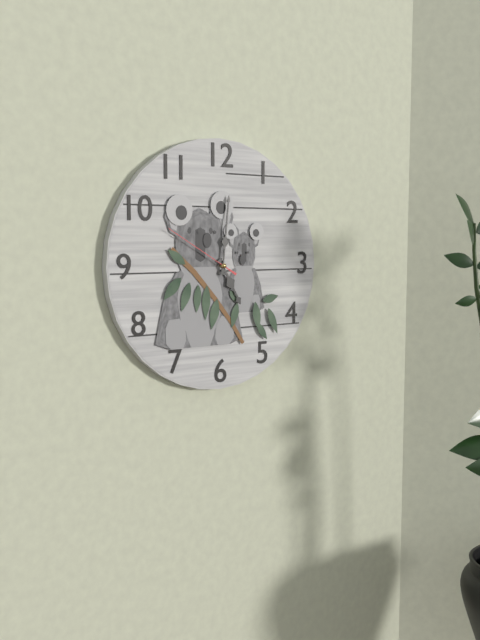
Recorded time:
{"hour": 5, "minute": 1, "second": 50}
